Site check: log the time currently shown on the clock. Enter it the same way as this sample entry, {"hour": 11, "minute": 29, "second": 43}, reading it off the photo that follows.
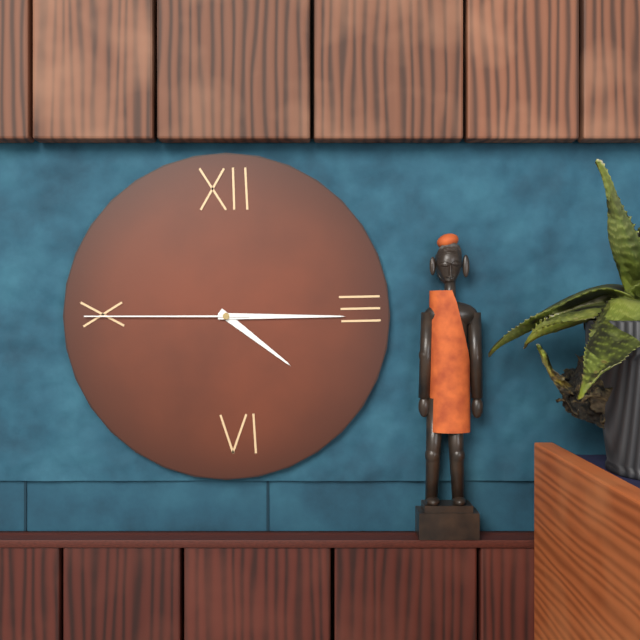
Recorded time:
{"hour": 4, "minute": 15, "second": 45}
